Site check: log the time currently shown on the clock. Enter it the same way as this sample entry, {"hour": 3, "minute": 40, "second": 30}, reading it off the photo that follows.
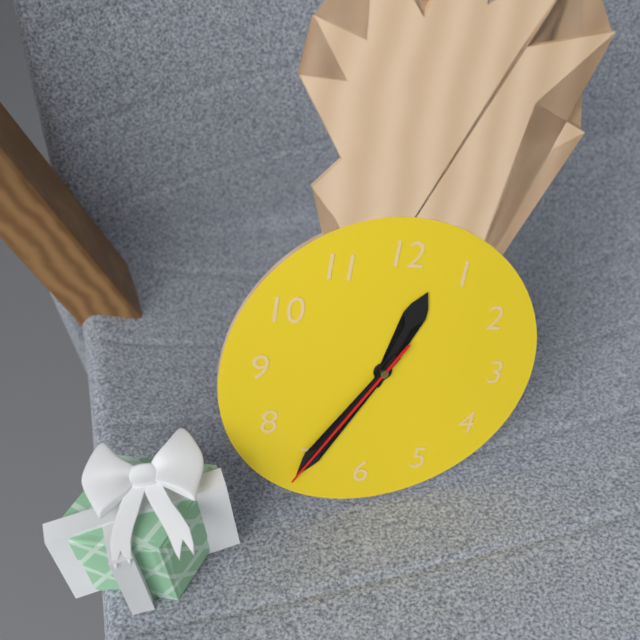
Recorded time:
{"hour": 12, "minute": 35, "second": 35}
